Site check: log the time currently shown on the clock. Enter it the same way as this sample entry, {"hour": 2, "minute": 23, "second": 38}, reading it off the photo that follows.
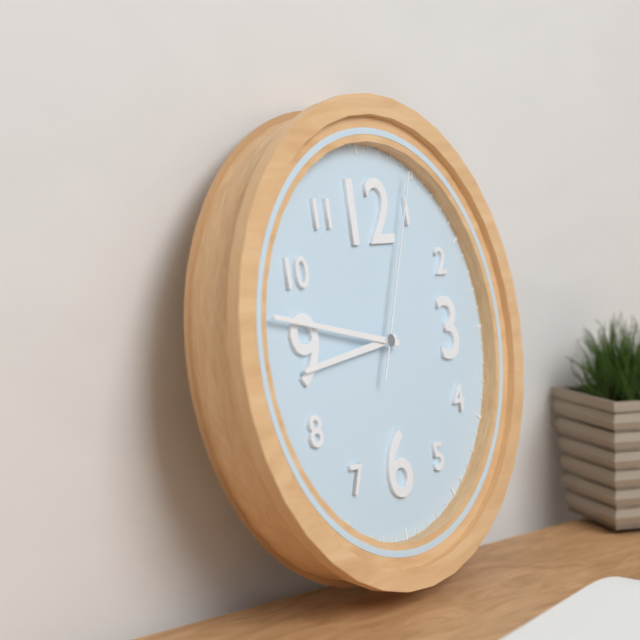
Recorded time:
{"hour": 8, "minute": 47, "second": 4}
